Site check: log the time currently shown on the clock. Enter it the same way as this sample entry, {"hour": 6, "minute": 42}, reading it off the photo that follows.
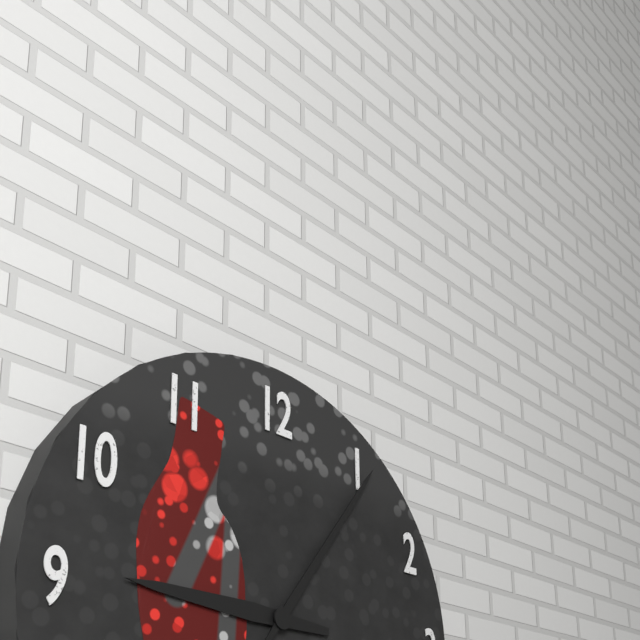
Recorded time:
{"hour": 9, "minute": 6}
